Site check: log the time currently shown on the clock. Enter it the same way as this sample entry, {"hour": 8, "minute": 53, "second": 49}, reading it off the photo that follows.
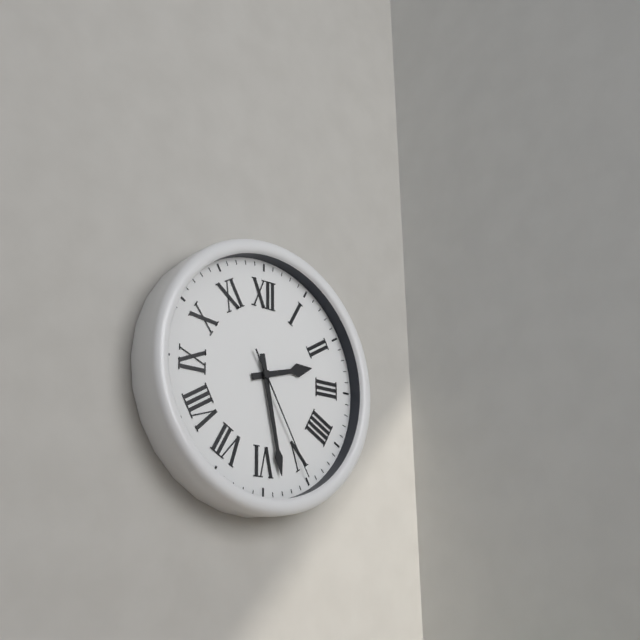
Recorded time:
{"hour": 2, "minute": 28, "second": 25}
